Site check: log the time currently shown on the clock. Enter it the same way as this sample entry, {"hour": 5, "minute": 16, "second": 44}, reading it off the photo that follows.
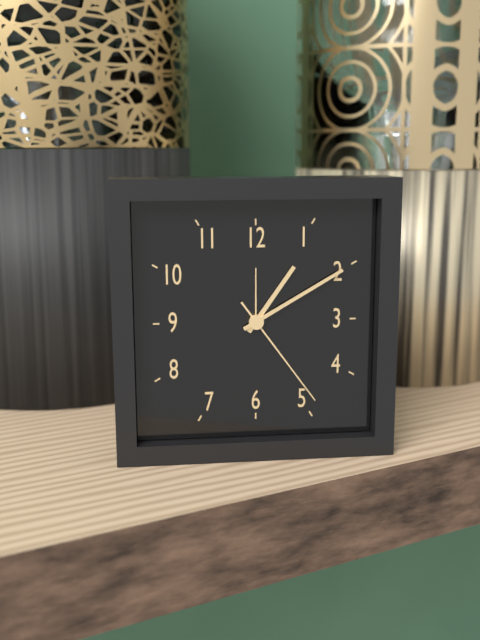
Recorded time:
{"hour": 1, "minute": 10, "second": 24}
